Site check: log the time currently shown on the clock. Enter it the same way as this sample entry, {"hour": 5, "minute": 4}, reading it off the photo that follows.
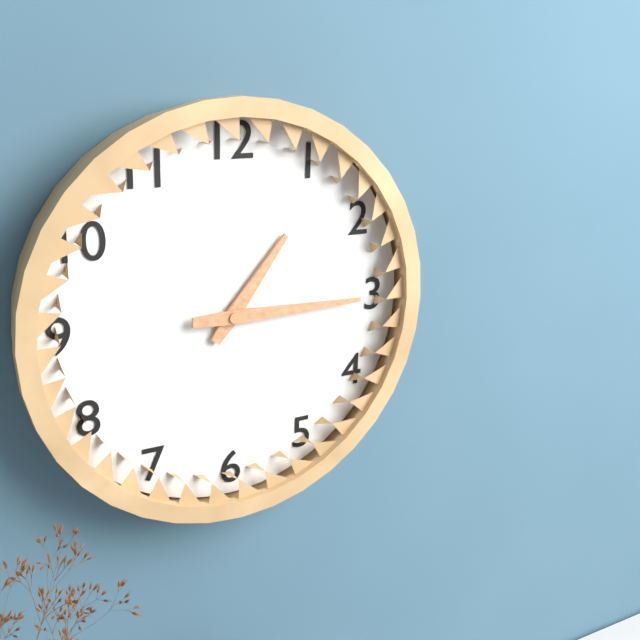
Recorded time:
{"hour": 1, "minute": 15}
